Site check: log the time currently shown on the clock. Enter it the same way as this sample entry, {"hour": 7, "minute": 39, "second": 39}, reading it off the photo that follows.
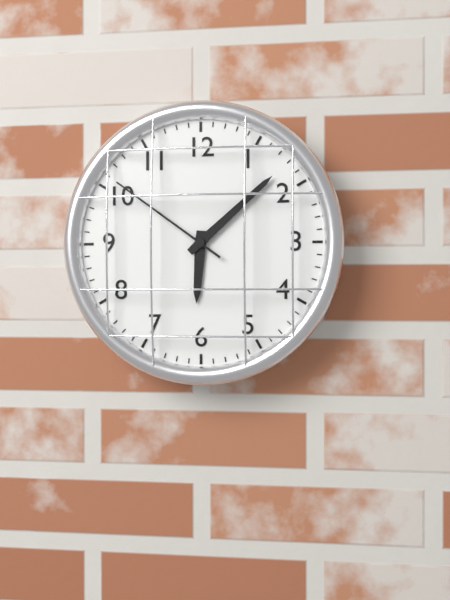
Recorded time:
{"hour": 6, "minute": 8, "second": 51}
